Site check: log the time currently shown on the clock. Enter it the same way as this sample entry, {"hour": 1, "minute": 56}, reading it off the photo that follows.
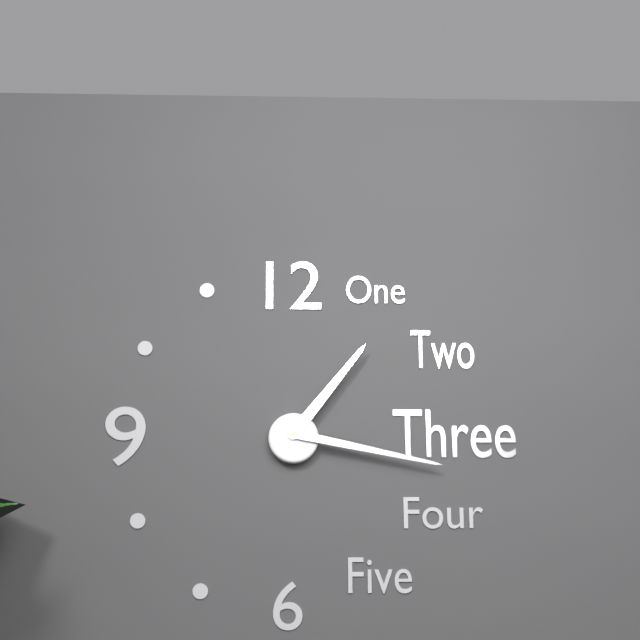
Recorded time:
{"hour": 1, "minute": 17}
